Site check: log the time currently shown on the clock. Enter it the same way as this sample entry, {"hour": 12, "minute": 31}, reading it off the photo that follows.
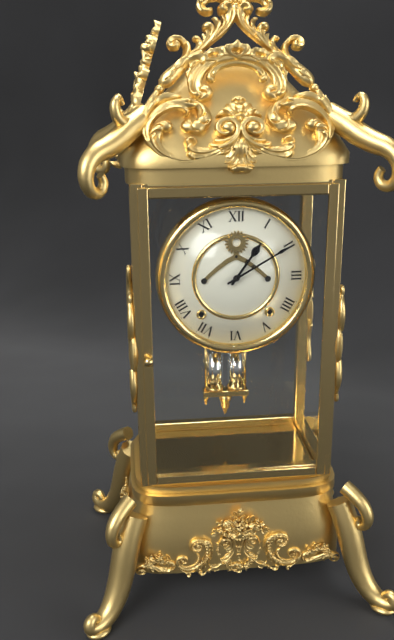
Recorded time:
{"hour": 1, "minute": 10}
